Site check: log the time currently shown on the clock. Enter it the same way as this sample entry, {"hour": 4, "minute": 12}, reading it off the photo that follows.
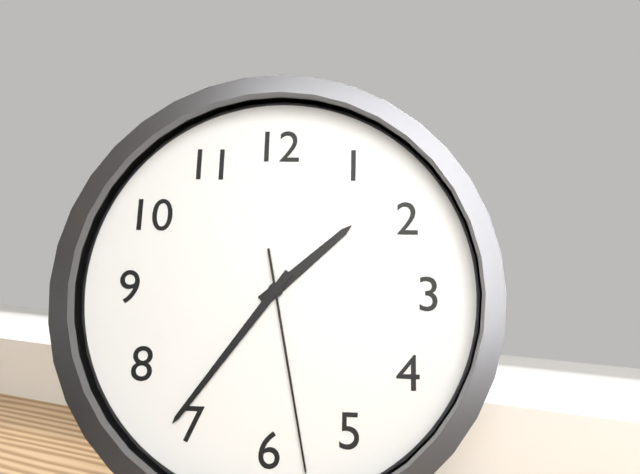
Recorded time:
{"hour": 1, "minute": 36}
